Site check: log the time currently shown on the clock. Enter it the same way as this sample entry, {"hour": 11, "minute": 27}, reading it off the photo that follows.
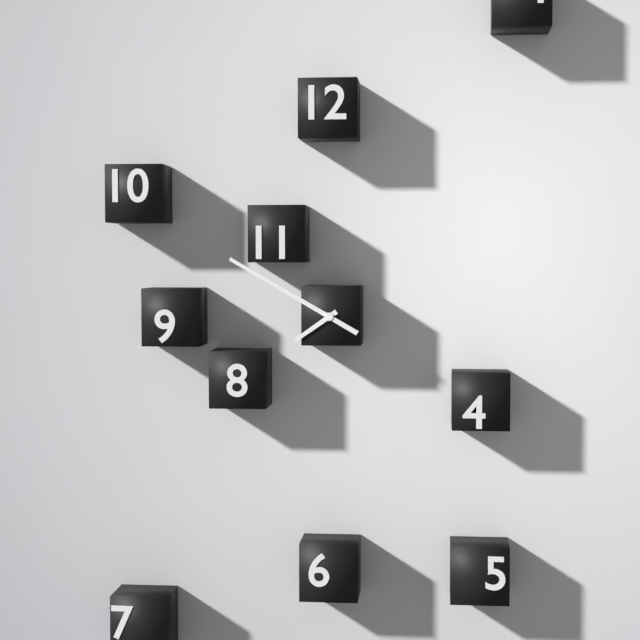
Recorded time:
{"hour": 7, "minute": 50}
